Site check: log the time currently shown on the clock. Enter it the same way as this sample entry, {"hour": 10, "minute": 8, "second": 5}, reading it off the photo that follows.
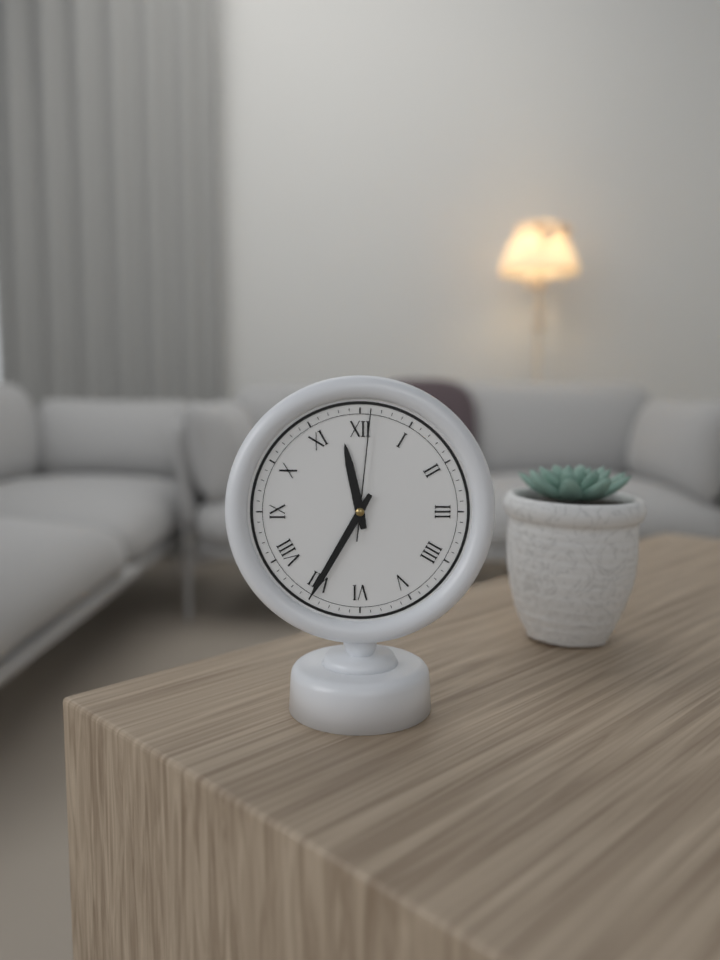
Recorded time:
{"hour": 11, "minute": 35, "second": 1}
